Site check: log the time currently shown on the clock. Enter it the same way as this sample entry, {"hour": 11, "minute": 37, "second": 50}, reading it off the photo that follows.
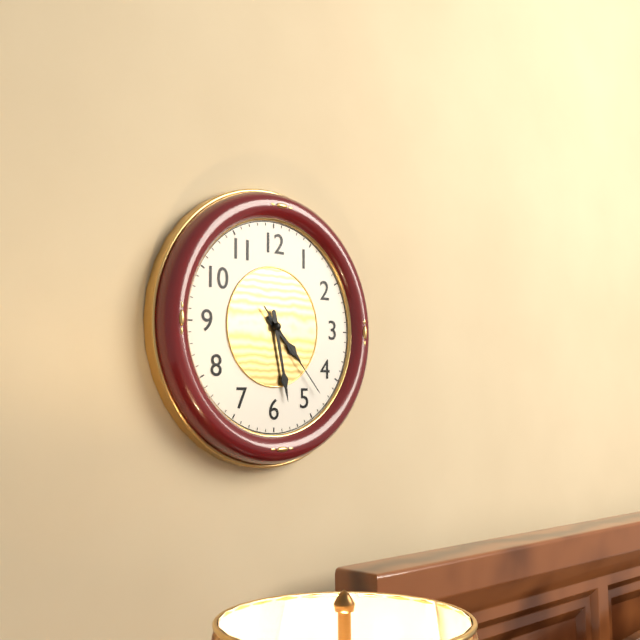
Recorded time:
{"hour": 4, "minute": 28, "second": 23}
